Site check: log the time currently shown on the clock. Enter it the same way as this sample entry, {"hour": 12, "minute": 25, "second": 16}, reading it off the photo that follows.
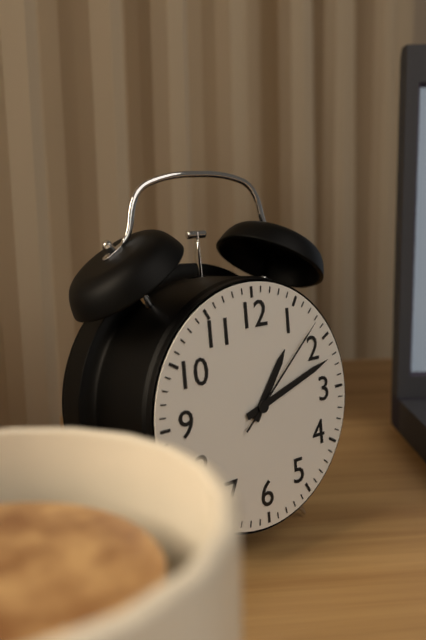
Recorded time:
{"hour": 1, "minute": 12, "second": 8}
